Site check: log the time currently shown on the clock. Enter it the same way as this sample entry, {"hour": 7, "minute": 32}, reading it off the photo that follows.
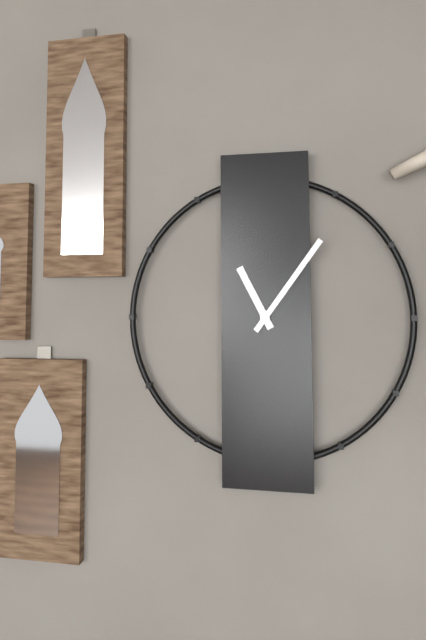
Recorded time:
{"hour": 11, "minute": 6}
